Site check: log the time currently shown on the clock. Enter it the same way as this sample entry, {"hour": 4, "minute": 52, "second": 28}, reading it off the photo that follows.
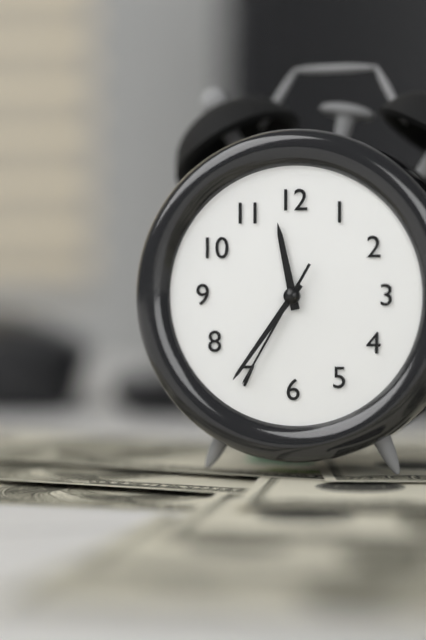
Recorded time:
{"hour": 11, "minute": 36, "second": 35}
